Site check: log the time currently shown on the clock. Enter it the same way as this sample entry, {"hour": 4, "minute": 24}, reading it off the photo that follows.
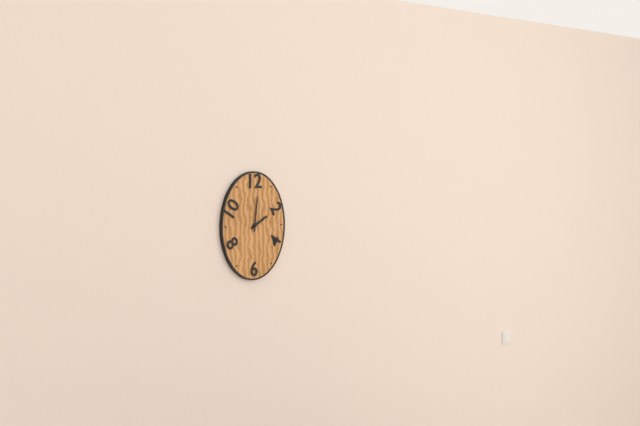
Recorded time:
{"hour": 2, "minute": 1}
